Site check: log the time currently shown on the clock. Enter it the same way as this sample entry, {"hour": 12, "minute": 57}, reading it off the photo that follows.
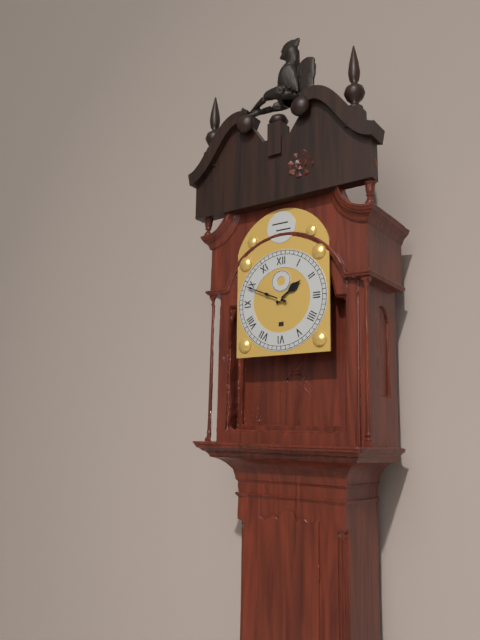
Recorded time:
{"hour": 1, "minute": 49}
